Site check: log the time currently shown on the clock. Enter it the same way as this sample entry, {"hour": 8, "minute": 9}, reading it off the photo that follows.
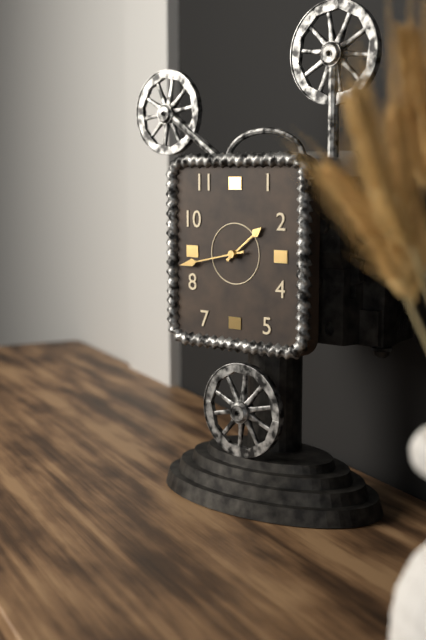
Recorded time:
{"hour": 1, "minute": 43}
